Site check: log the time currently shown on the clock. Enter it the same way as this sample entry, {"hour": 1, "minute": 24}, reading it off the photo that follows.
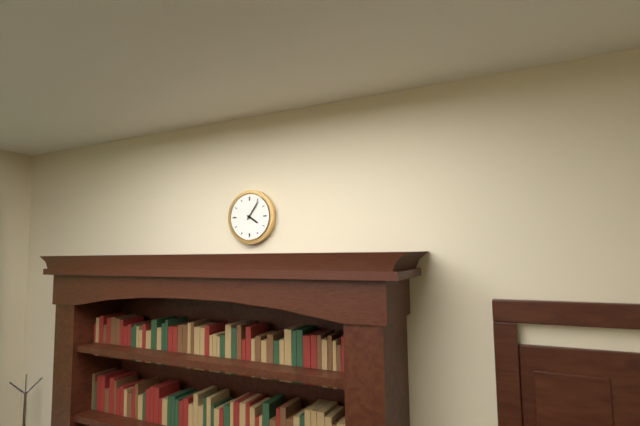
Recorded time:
{"hour": 4, "minute": 6}
